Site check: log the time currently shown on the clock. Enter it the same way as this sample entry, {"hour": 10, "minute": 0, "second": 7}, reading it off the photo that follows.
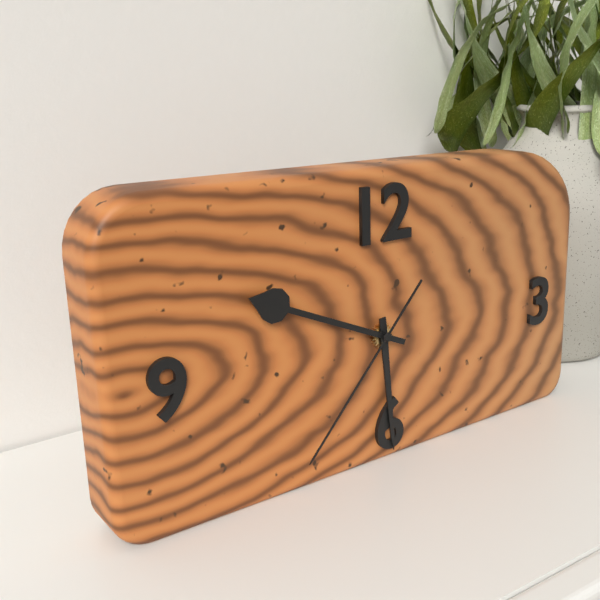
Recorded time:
{"hour": 5, "minute": 49, "second": 37}
